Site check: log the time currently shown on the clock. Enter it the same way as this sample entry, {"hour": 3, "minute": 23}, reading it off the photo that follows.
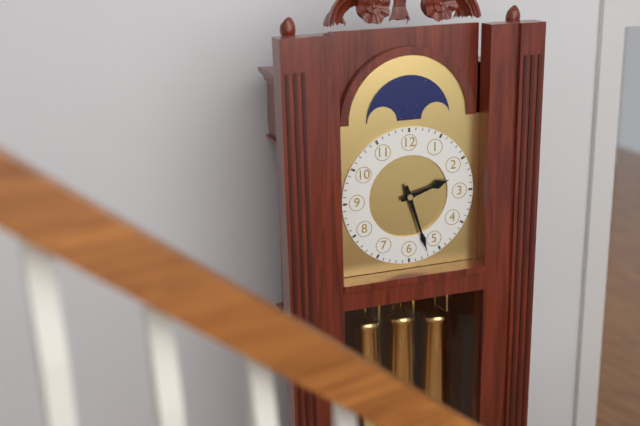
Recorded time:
{"hour": 2, "minute": 27}
